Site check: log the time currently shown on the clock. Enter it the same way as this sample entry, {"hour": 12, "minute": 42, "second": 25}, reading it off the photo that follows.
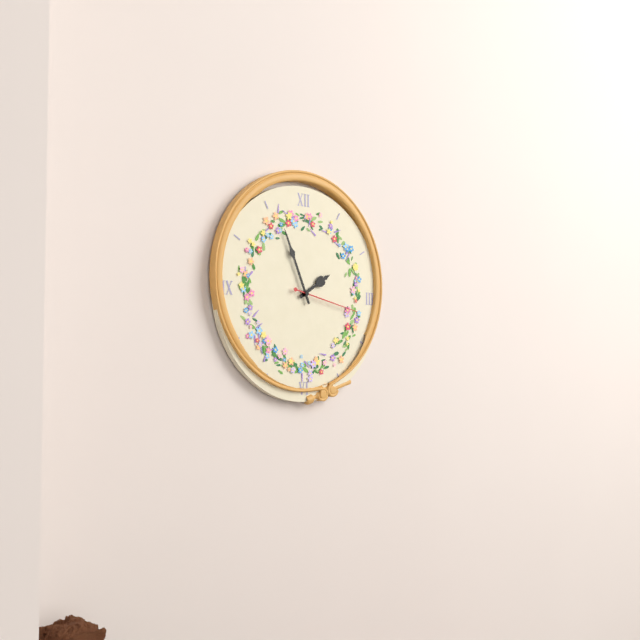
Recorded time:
{"hour": 1, "minute": 56, "second": 17}
